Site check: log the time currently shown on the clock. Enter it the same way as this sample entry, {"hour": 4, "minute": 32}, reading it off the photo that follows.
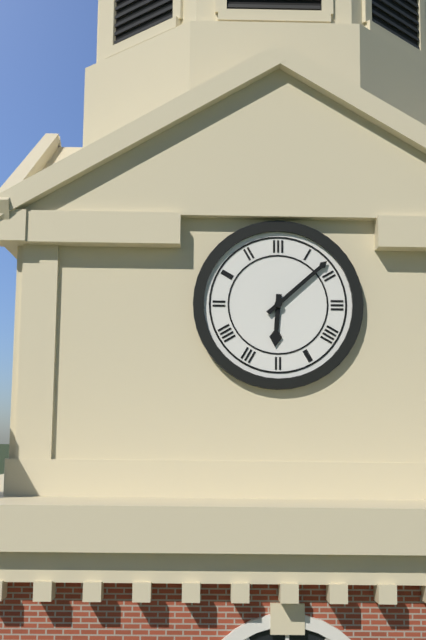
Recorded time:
{"hour": 6, "minute": 8}
